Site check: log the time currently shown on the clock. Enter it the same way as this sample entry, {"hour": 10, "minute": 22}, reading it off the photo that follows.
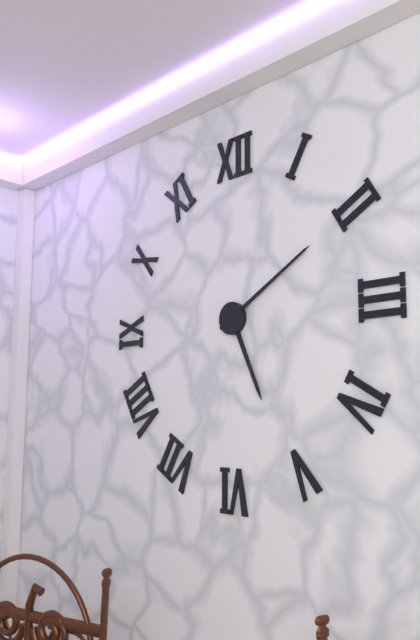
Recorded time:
{"hour": 5, "minute": 10}
